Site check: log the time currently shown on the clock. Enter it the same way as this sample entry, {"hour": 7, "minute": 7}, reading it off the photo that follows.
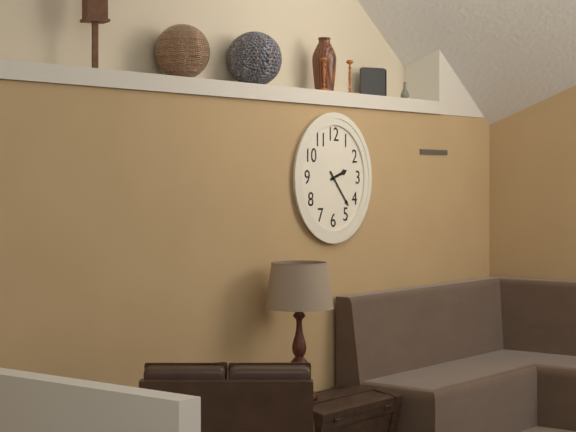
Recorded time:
{"hour": 2, "minute": 23}
